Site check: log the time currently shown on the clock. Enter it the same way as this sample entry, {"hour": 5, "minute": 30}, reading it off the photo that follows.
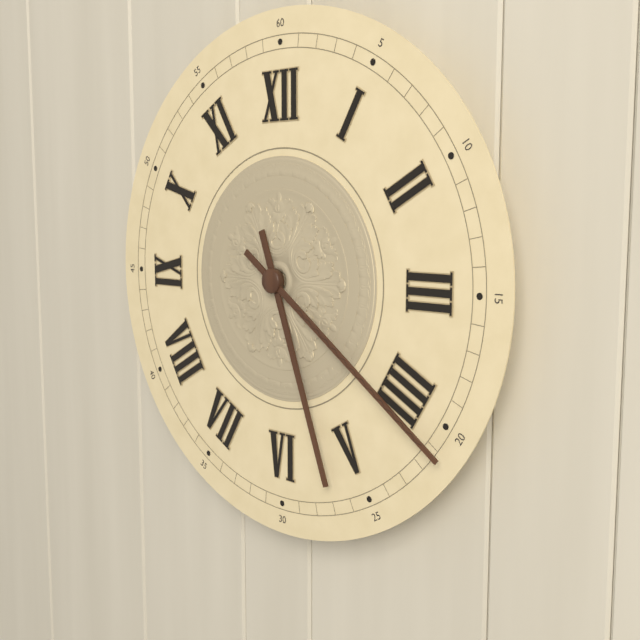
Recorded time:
{"hour": 5, "minute": 21}
